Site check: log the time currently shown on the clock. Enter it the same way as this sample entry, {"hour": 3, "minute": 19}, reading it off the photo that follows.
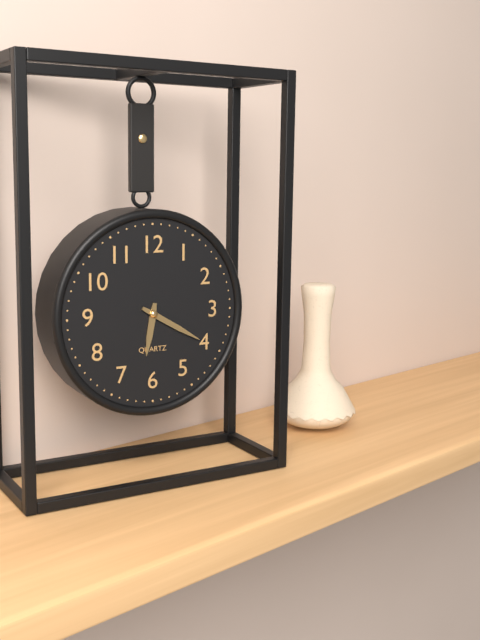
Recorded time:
{"hour": 6, "minute": 20}
